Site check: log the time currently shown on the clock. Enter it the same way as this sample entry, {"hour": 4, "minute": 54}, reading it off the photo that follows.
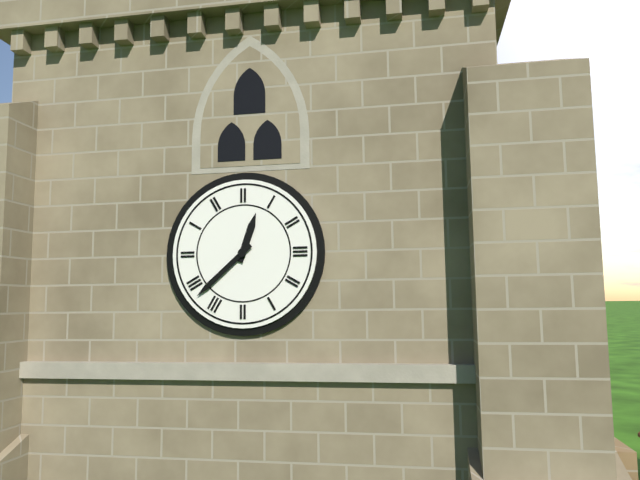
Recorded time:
{"hour": 12, "minute": 38}
